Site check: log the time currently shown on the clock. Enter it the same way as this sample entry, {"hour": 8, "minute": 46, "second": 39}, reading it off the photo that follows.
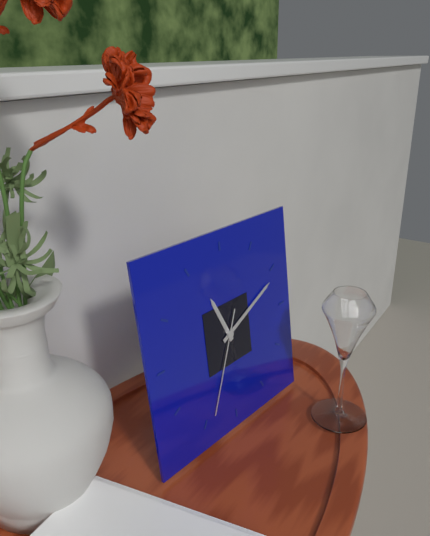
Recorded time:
{"hour": 11, "minute": 11, "second": 34}
